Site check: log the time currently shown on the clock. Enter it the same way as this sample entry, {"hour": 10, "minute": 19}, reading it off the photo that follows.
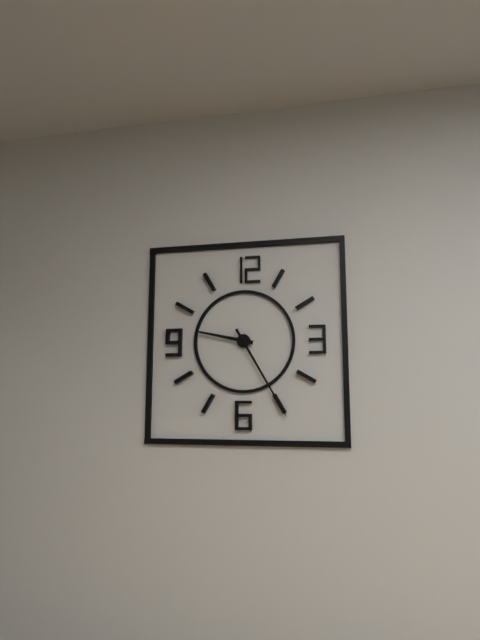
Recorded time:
{"hour": 9, "minute": 25}
